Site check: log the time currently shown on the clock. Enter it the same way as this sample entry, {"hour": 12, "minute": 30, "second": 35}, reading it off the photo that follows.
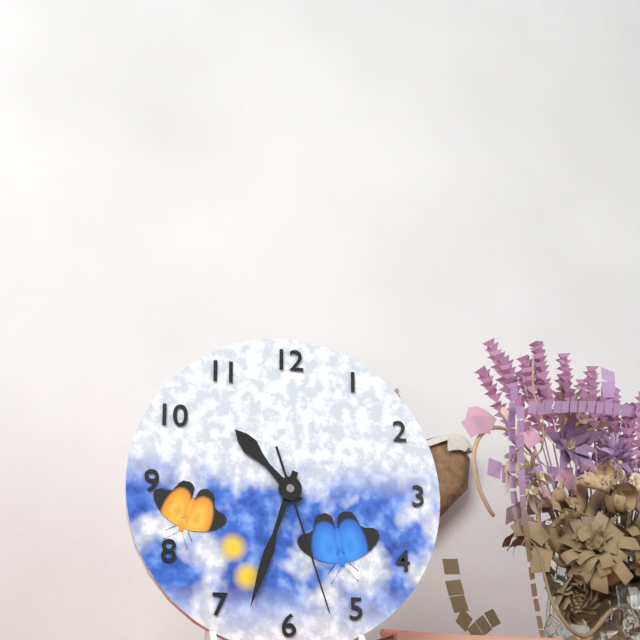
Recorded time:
{"hour": 10, "minute": 33, "second": 27}
